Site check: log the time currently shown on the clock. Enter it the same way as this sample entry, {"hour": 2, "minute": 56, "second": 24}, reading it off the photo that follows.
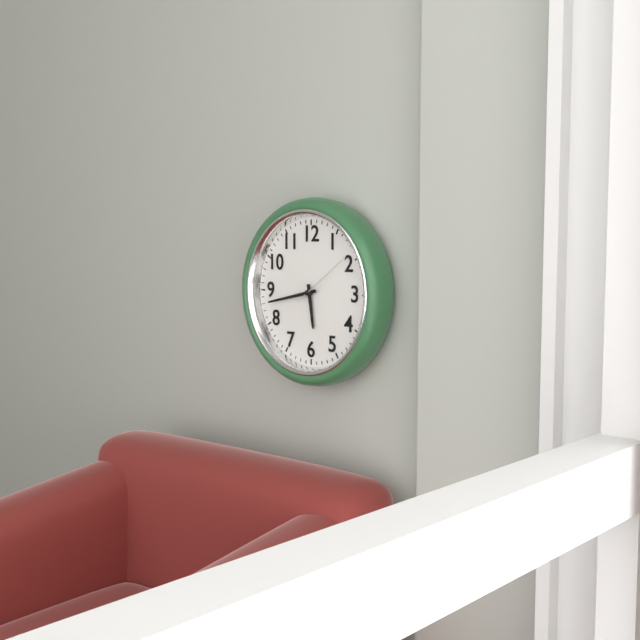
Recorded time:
{"hour": 5, "minute": 43, "second": 9}
